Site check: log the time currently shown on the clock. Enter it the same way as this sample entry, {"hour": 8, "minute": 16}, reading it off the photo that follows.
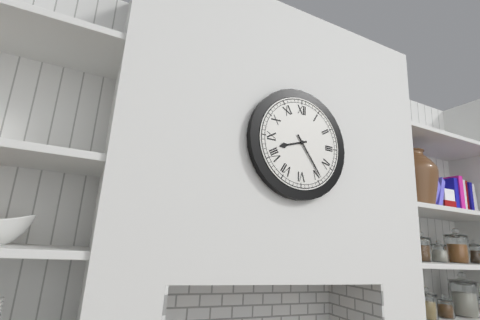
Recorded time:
{"hour": 8, "minute": 24}
